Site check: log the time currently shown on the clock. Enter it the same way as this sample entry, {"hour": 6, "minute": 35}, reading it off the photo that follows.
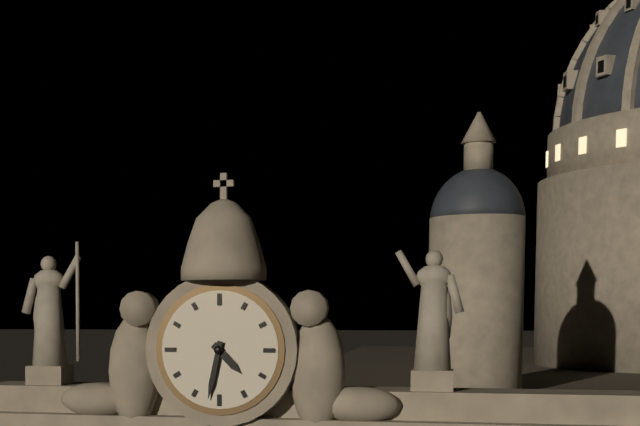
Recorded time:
{"hour": 4, "minute": 32}
